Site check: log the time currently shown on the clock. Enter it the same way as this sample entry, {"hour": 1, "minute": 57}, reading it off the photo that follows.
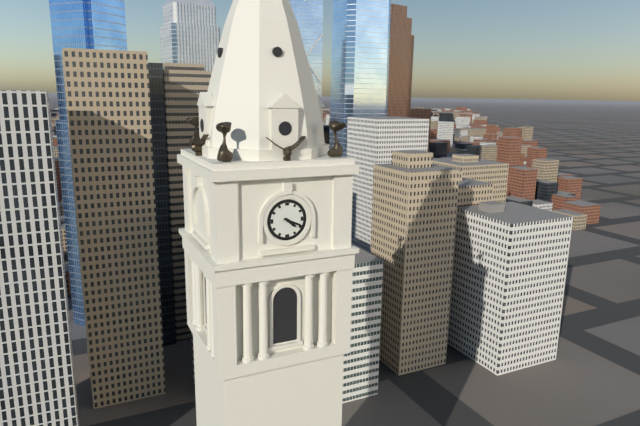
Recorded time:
{"hour": 4, "minute": 19}
